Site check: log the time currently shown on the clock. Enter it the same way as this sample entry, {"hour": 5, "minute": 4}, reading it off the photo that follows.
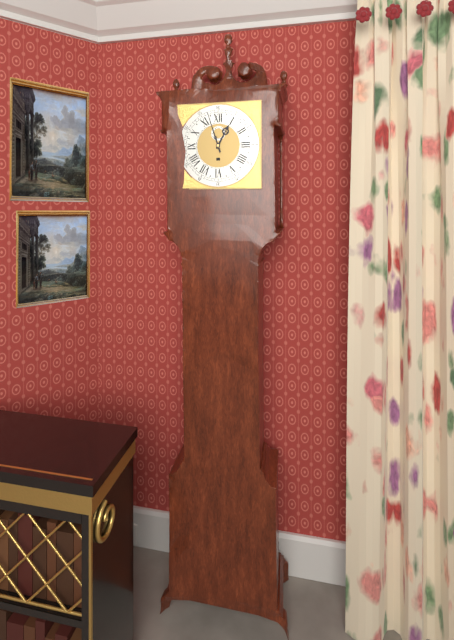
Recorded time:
{"hour": 12, "minute": 57}
